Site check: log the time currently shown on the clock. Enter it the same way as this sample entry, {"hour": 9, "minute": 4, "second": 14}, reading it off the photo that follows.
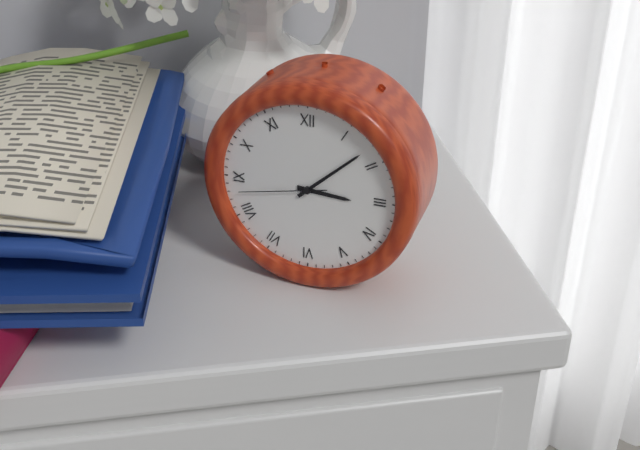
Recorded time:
{"hour": 3, "minute": 8, "second": 43}
